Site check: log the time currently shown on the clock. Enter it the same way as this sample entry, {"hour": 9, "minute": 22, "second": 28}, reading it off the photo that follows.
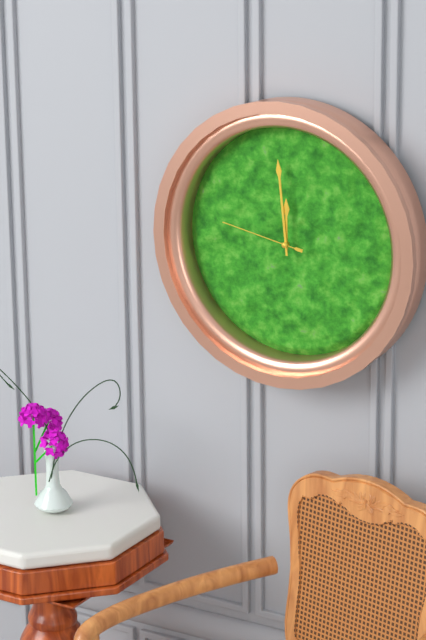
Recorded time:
{"hour": 11, "minute": 59, "second": 47}
